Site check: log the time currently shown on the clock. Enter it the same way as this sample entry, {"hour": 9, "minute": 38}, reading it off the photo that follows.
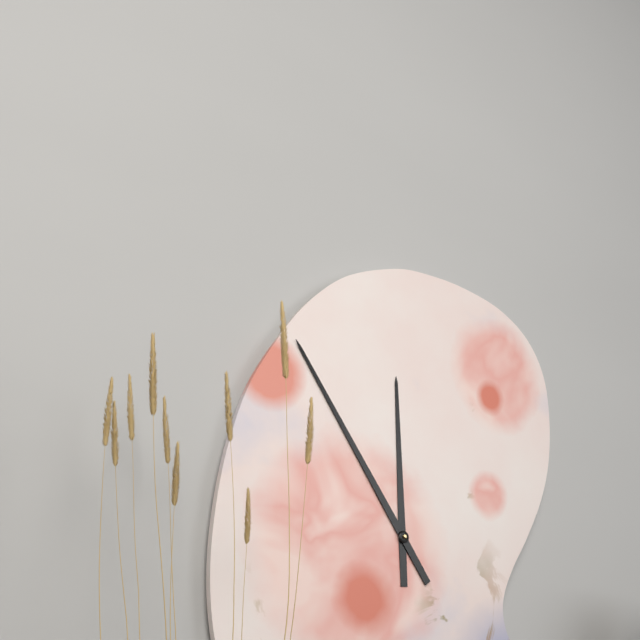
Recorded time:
{"hour": 11, "minute": 54}
